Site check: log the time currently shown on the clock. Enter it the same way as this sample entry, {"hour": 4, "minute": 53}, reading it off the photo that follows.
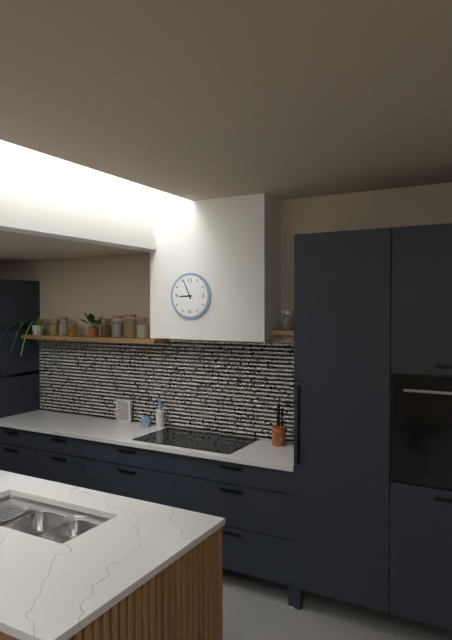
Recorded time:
{"hour": 8, "minute": 56}
